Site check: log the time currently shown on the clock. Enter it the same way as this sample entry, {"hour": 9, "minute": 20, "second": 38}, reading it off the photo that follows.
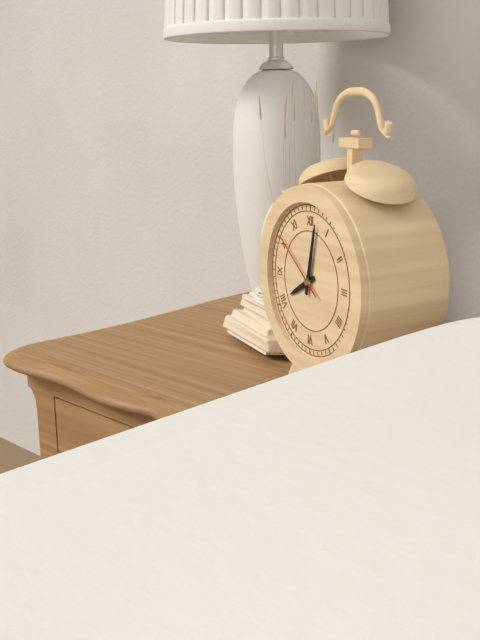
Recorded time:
{"hour": 8, "minute": 2, "second": 51}
